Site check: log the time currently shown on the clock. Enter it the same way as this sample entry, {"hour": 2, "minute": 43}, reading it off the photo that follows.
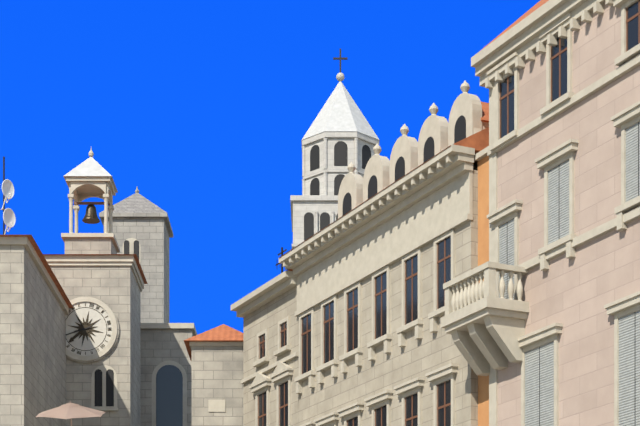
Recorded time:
{"hour": 7, "minute": 42}
